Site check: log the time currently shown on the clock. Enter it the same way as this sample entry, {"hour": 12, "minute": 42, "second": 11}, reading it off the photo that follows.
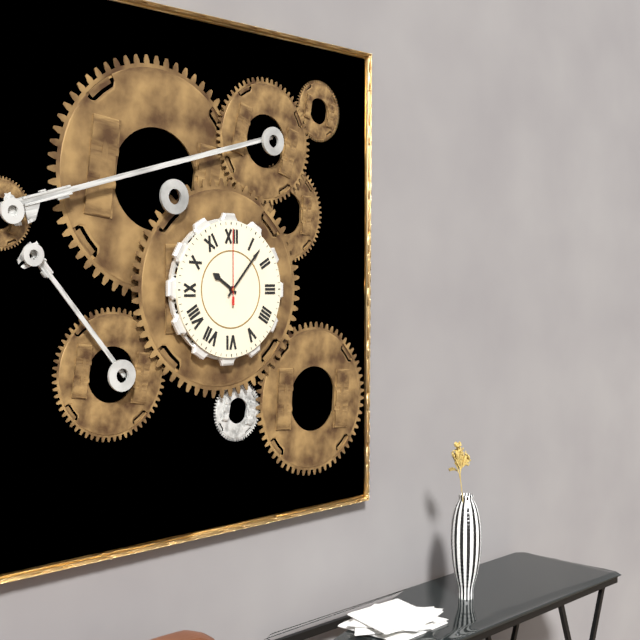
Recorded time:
{"hour": 10, "minute": 7, "second": 0}
